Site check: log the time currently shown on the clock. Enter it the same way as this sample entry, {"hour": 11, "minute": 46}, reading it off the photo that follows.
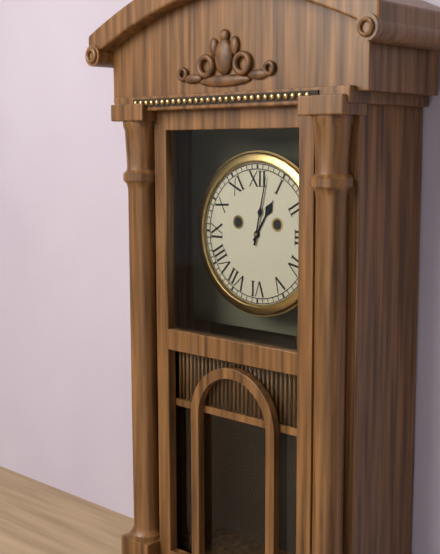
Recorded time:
{"hour": 1, "minute": 2}
